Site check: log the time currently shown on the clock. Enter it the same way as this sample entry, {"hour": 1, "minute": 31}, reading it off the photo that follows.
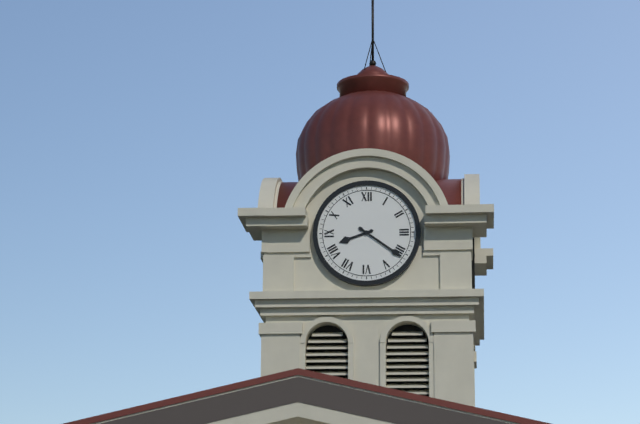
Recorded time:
{"hour": 8, "minute": 21}
